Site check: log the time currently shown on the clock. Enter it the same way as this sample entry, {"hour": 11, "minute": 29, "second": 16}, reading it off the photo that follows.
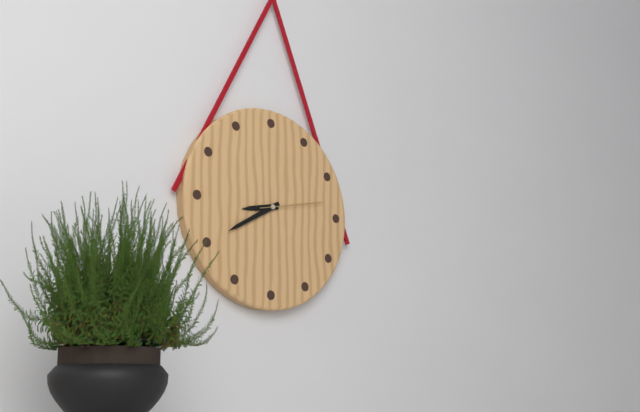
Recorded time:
{"hour": 8, "minute": 40, "second": 13}
